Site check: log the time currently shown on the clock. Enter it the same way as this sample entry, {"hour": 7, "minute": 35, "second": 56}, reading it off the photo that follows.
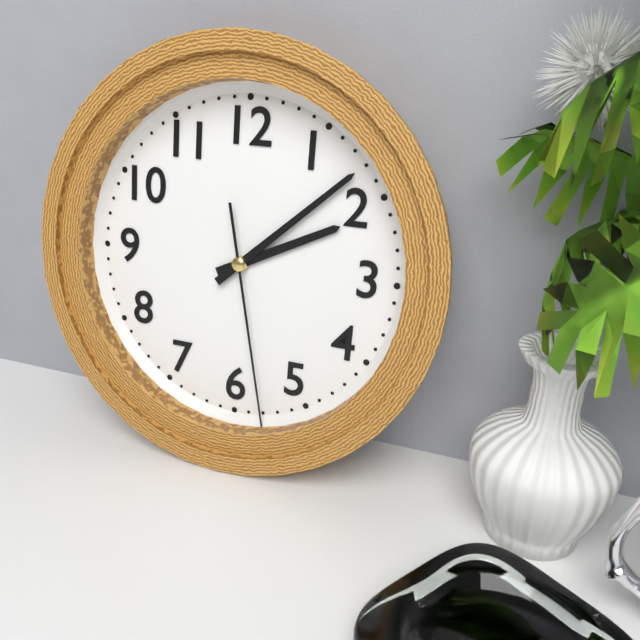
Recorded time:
{"hour": 2, "minute": 8, "second": 28}
